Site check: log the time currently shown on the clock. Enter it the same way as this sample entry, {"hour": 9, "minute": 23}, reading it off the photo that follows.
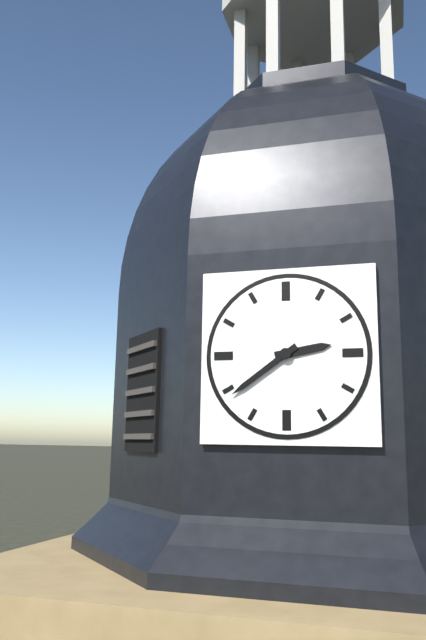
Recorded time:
{"hour": 2, "minute": 39}
